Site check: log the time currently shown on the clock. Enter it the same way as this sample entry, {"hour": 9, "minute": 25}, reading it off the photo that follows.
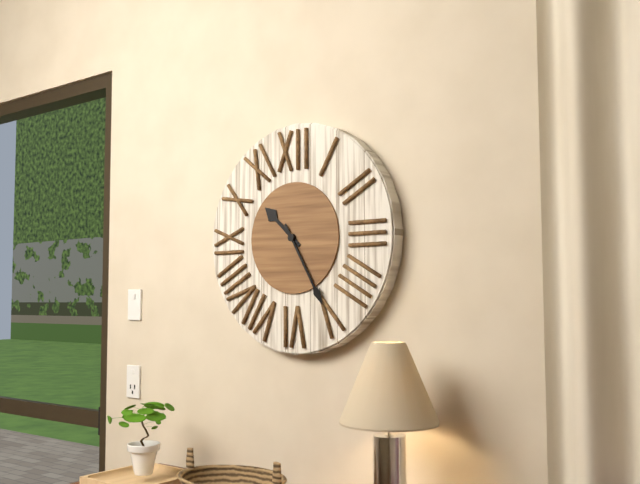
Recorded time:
{"hour": 10, "minute": 25}
